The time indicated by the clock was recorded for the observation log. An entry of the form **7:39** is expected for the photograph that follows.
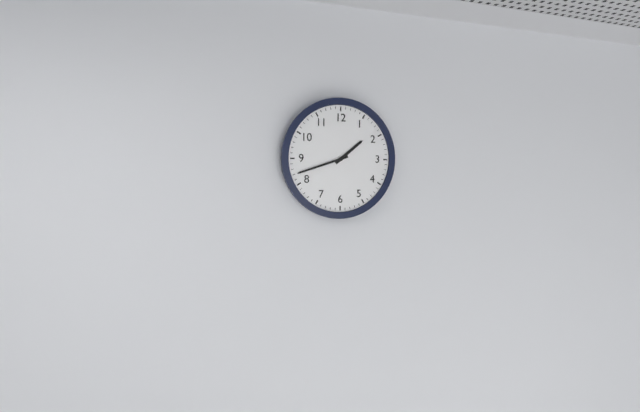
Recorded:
**1:42**
